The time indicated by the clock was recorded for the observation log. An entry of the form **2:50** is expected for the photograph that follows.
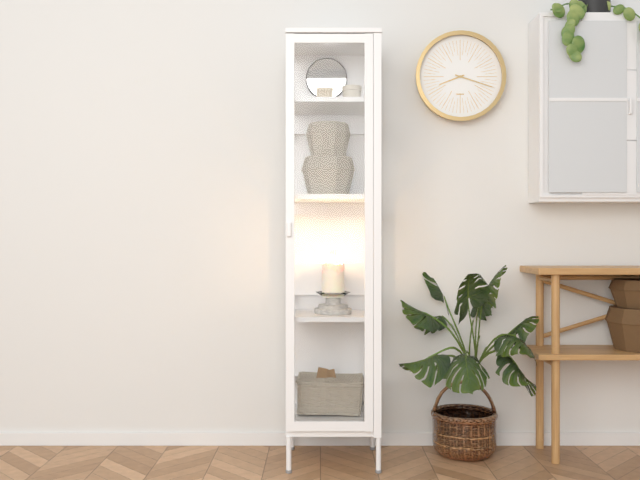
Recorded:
**8:18**
